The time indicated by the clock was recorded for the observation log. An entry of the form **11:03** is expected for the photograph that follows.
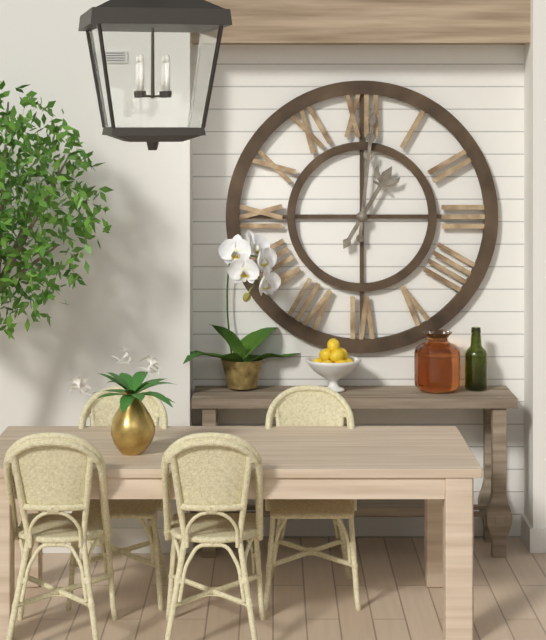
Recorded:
**1:01**
